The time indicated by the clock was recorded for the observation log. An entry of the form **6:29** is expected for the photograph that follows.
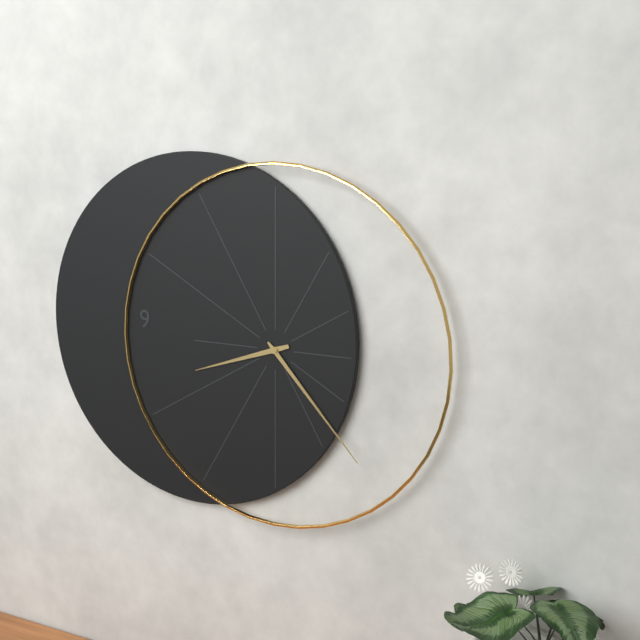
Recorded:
**8:23**
